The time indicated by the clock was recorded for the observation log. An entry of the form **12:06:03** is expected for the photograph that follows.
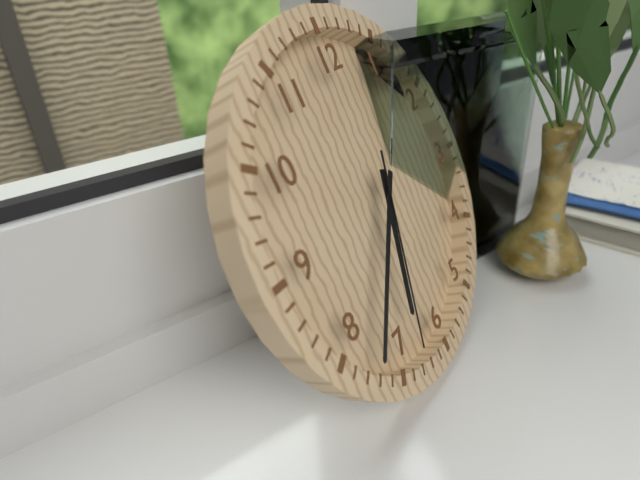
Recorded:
**6:37:33**
